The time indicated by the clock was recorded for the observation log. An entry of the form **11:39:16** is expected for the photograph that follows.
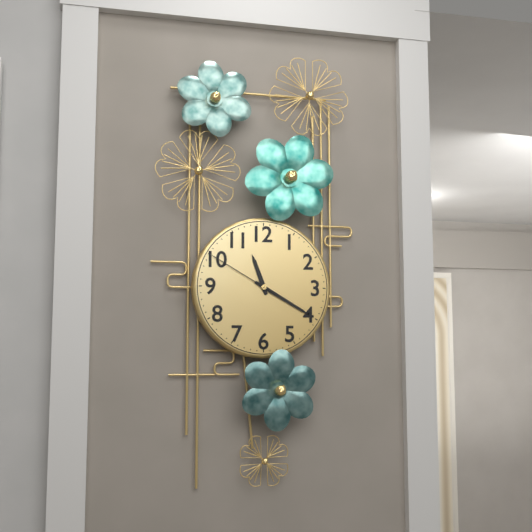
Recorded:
**11:20:50**
